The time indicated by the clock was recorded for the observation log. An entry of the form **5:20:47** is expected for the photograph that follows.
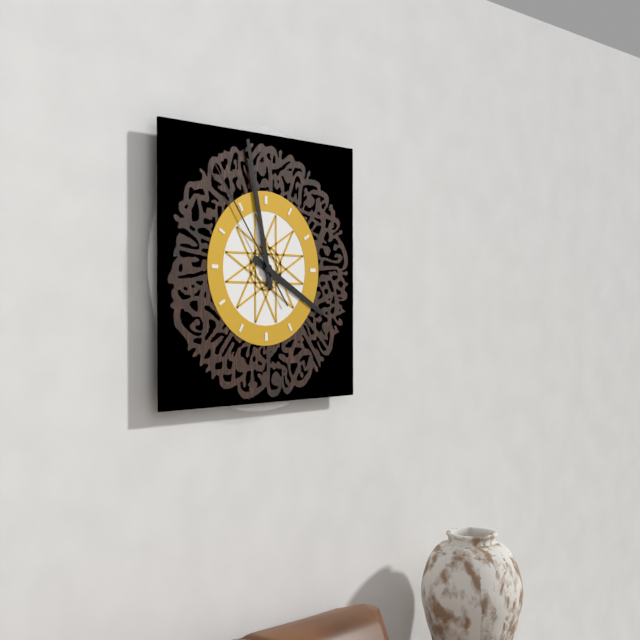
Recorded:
**3:58:54**
